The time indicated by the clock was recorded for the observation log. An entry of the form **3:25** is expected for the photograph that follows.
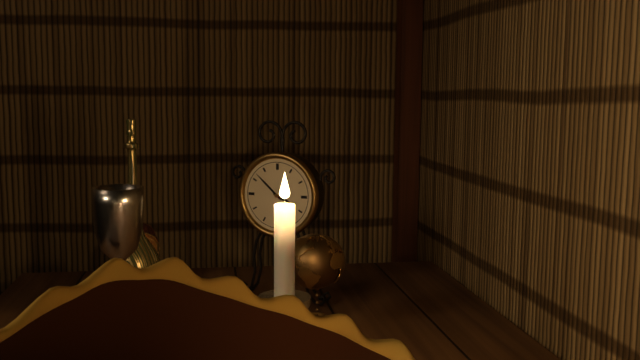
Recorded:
**3:52**
